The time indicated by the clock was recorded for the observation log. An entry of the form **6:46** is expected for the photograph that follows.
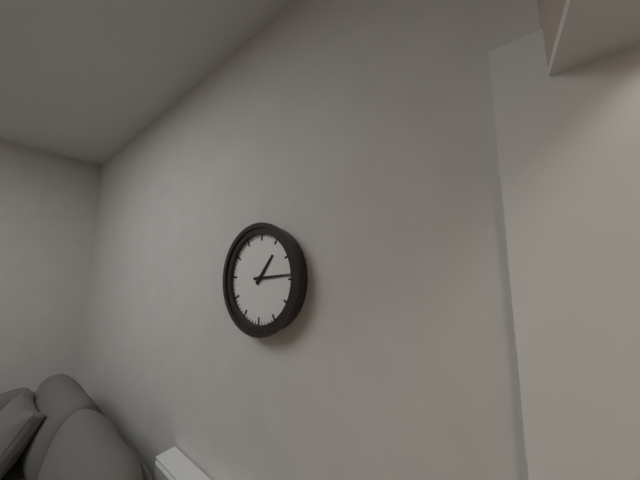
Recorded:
**1:14**
